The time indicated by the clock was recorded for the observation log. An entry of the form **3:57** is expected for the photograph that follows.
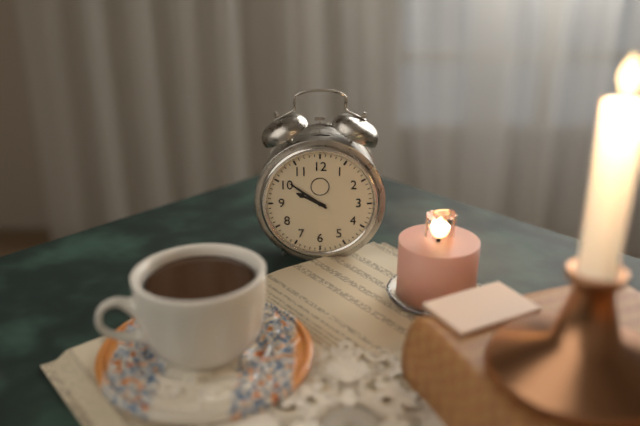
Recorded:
**9:51**
